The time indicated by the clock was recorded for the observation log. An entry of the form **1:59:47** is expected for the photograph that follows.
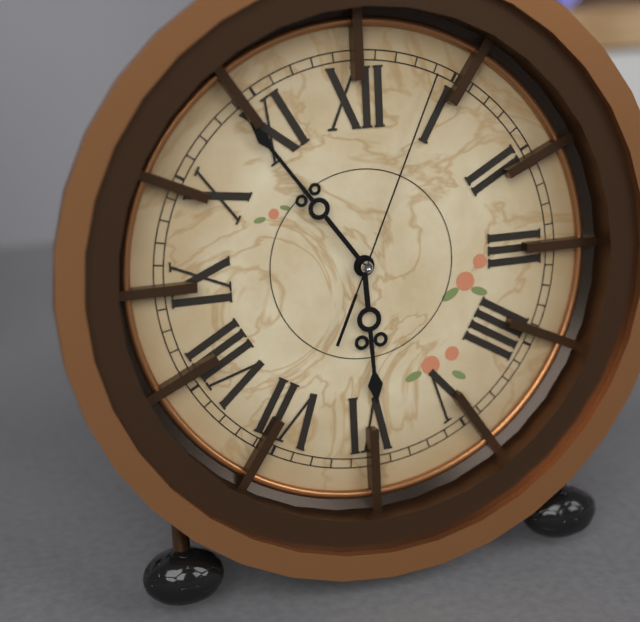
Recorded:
**5:54:04**
